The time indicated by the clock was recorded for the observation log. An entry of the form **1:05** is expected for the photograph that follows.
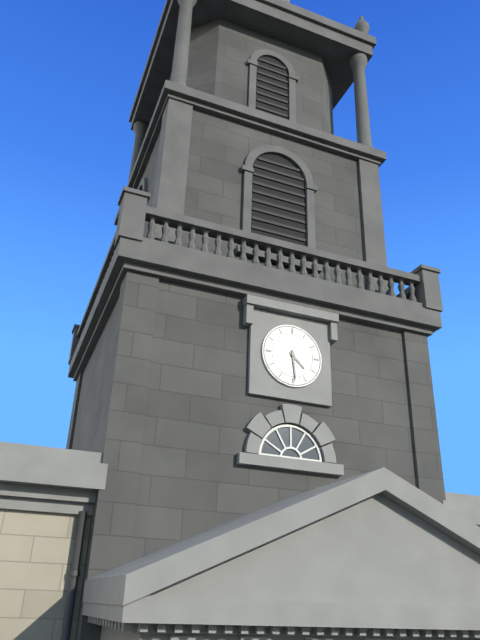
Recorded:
**4:29**
